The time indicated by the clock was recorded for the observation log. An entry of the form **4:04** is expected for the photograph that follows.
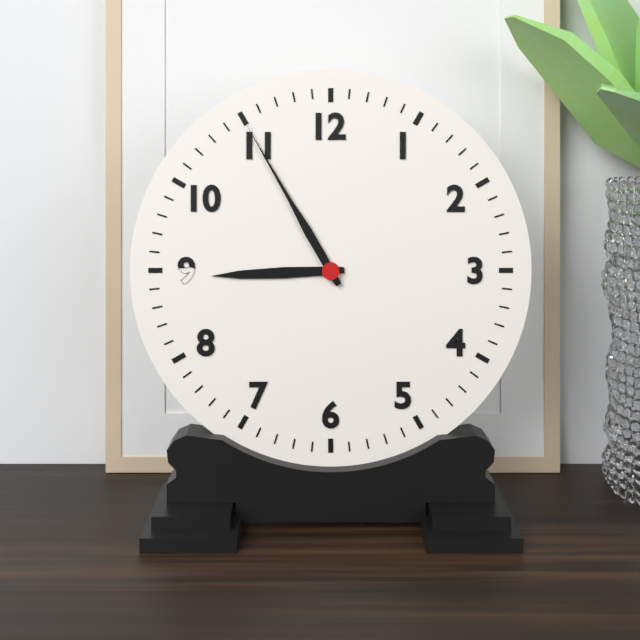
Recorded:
**8:55**
